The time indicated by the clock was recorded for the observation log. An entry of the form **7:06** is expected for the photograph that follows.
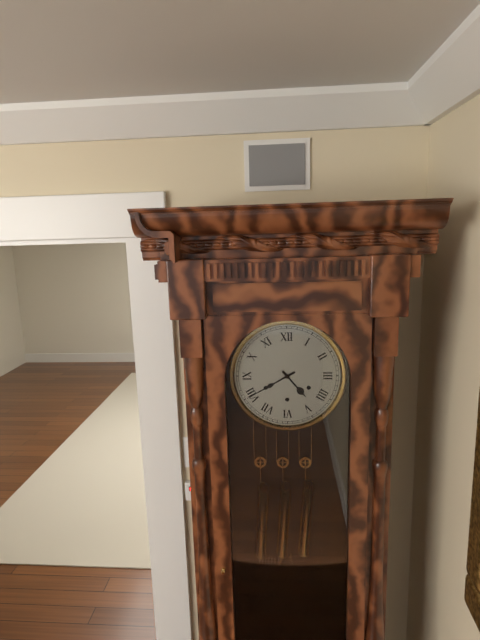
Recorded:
**4:40**
